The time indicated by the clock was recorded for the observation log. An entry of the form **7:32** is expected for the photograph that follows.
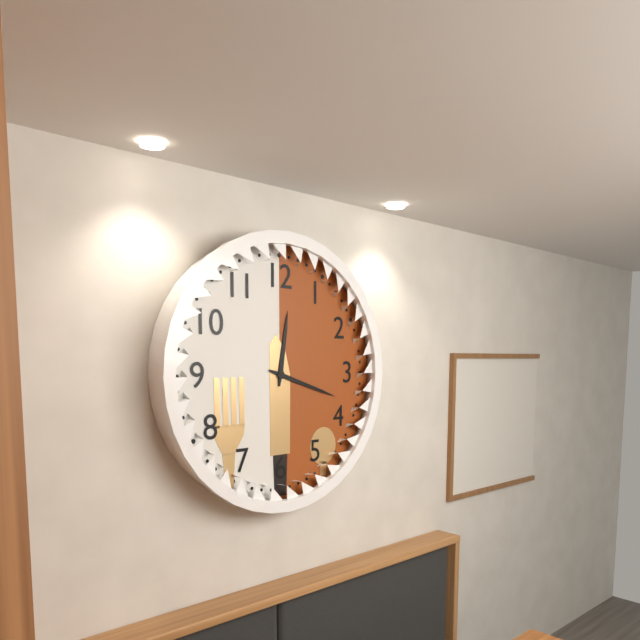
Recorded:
**12:18**
